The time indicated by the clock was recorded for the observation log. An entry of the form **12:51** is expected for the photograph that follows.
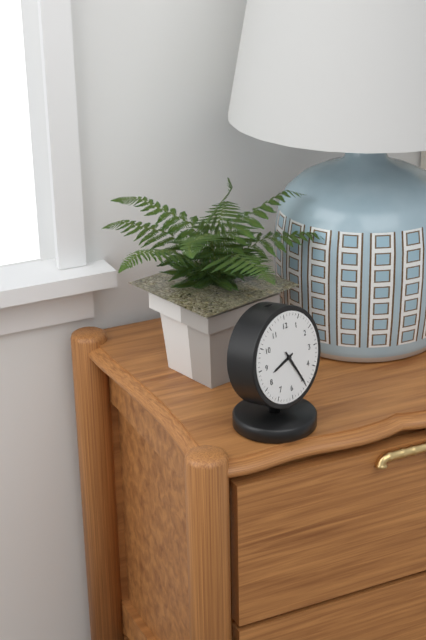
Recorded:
**8:25**
